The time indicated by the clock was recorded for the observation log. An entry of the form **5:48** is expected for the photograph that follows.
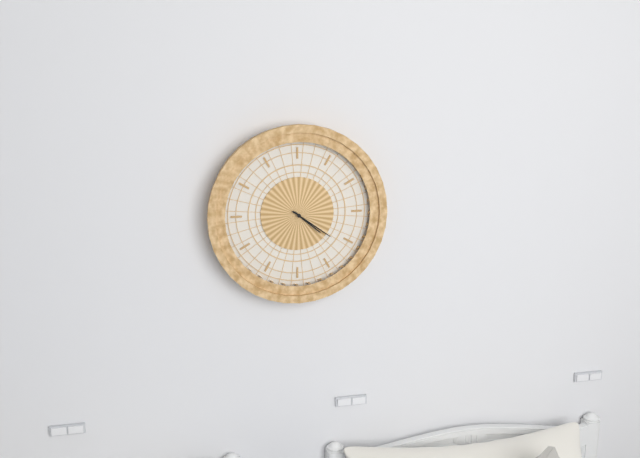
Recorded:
**4:21**
